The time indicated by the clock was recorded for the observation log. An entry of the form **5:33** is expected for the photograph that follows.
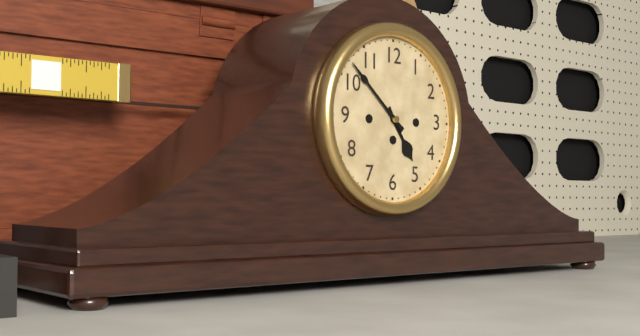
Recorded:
**4:52**
